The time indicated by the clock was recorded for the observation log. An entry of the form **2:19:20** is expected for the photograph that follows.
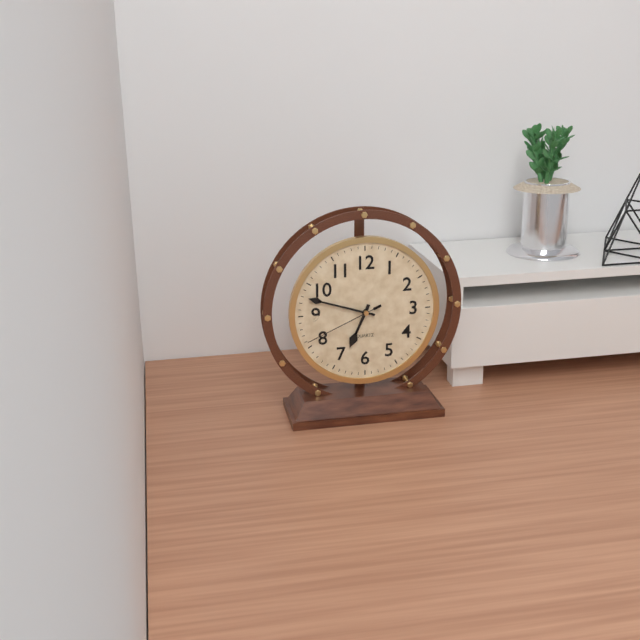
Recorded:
**6:48:41**
